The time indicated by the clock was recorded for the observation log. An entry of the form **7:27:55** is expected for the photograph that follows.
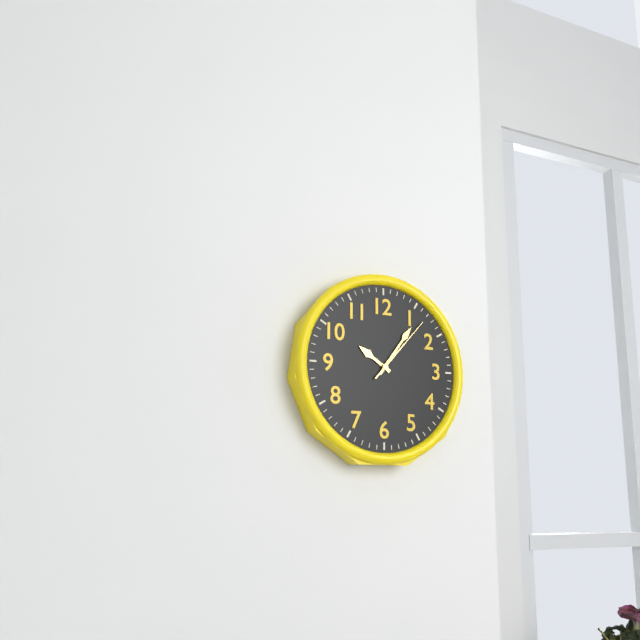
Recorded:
**10:06:07**
